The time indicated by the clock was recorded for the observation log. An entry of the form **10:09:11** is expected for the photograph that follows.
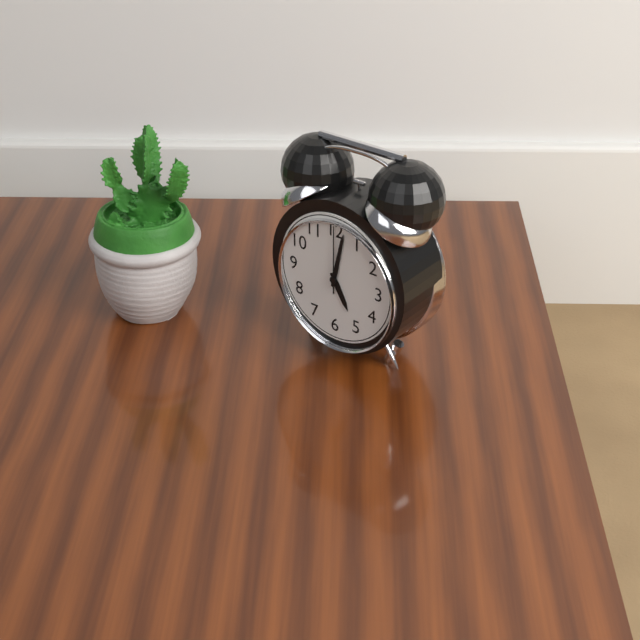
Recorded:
**5:02:00**
